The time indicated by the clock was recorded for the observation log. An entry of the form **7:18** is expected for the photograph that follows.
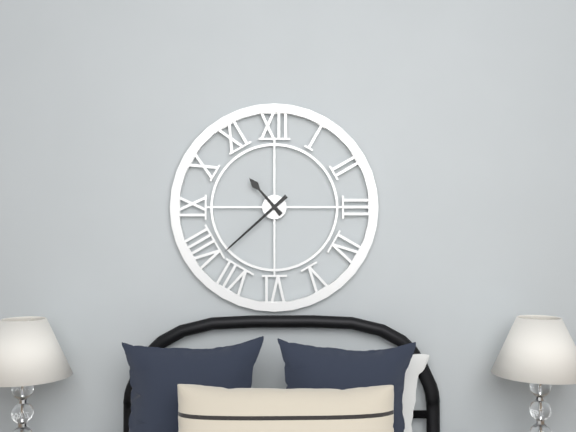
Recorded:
**10:38**
